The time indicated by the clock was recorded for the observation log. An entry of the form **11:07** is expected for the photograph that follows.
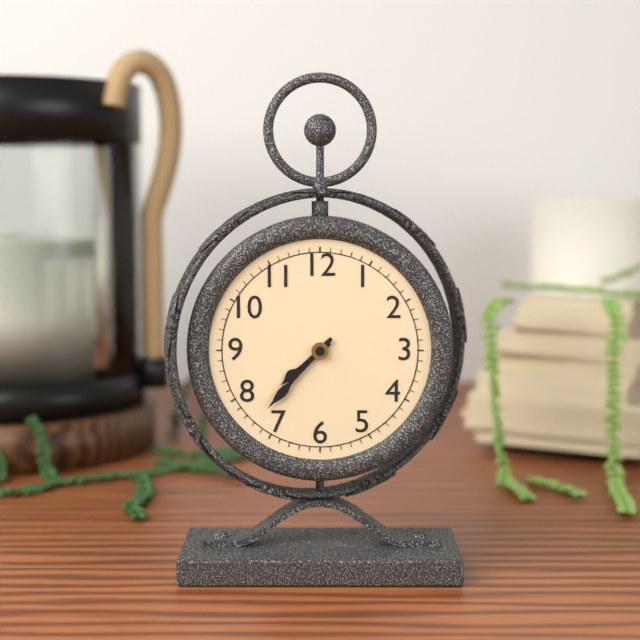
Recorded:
**7:37**
